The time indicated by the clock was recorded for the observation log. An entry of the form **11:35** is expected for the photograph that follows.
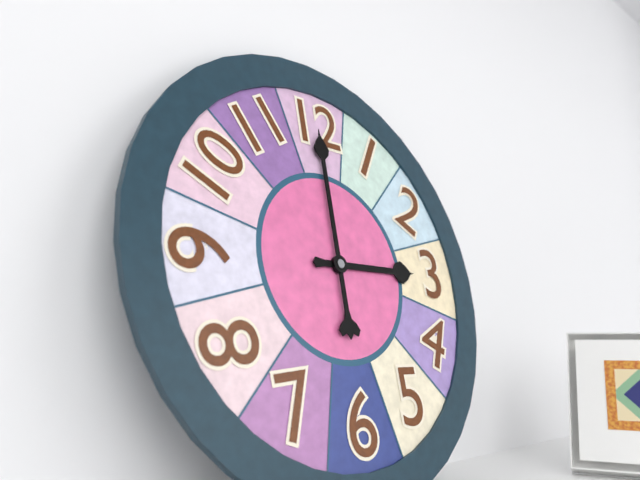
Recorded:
**3:00**
